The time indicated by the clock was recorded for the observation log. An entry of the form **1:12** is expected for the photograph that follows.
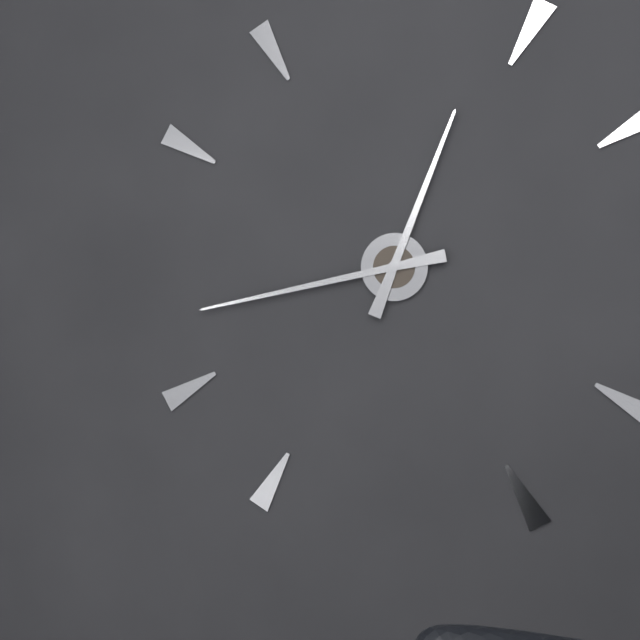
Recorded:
**12:43**
